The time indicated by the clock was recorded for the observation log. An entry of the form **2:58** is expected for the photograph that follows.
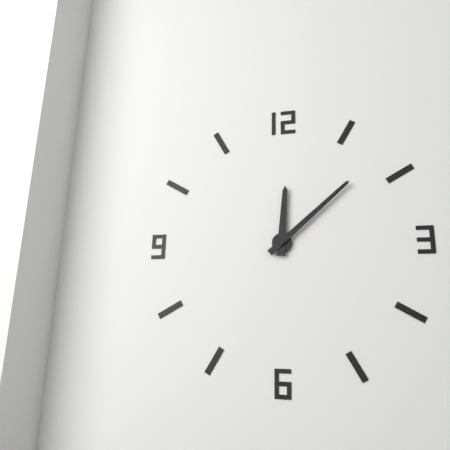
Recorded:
**12:08**
